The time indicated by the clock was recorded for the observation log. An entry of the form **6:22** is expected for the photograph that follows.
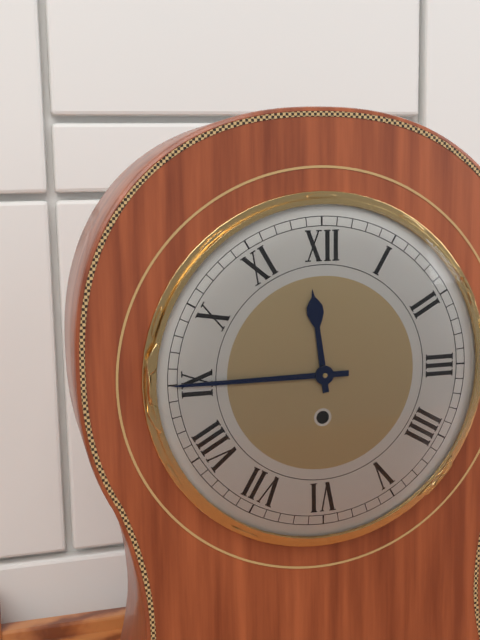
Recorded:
**11:45**
